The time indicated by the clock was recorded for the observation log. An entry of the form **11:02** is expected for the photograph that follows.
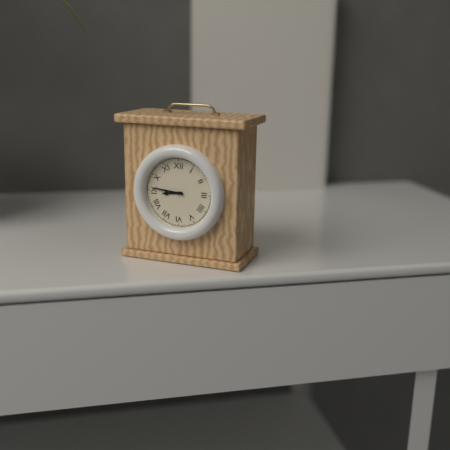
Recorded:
**8:46**
